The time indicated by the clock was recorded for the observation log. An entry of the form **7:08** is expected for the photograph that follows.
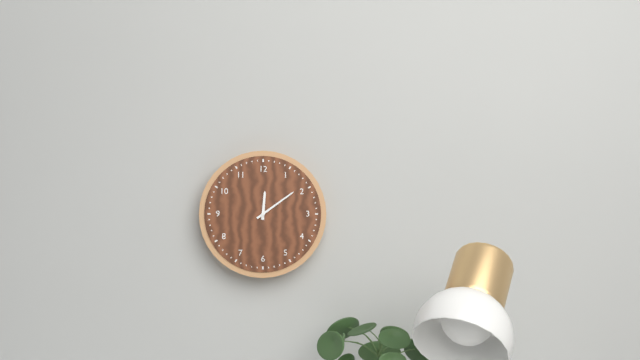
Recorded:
**12:09**
